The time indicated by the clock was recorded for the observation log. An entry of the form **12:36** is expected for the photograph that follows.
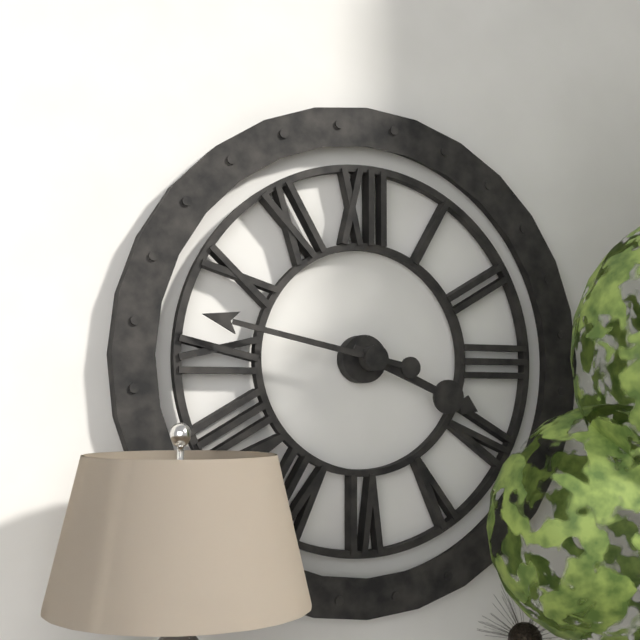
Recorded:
**3:47**
